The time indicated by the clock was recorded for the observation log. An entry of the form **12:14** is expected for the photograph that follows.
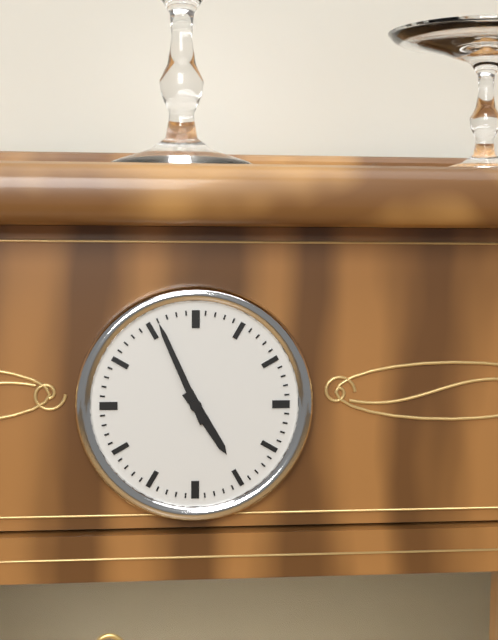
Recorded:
**4:56**
